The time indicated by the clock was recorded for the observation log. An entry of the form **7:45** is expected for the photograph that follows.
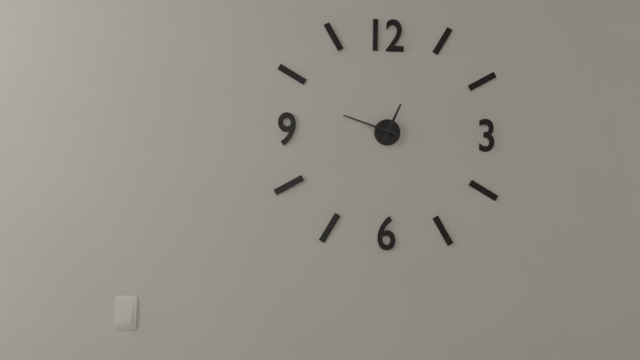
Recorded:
**12:48**
